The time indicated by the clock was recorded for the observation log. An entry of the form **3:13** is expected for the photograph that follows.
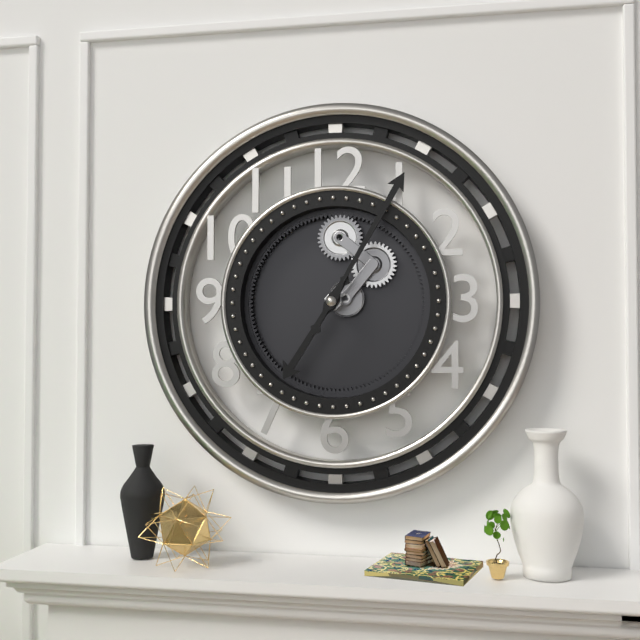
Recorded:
**7:05**
